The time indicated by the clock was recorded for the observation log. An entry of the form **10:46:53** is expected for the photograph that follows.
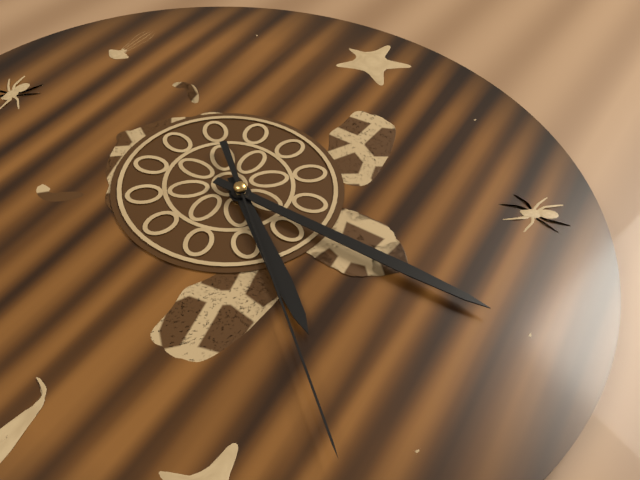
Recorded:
**4:15:22**
